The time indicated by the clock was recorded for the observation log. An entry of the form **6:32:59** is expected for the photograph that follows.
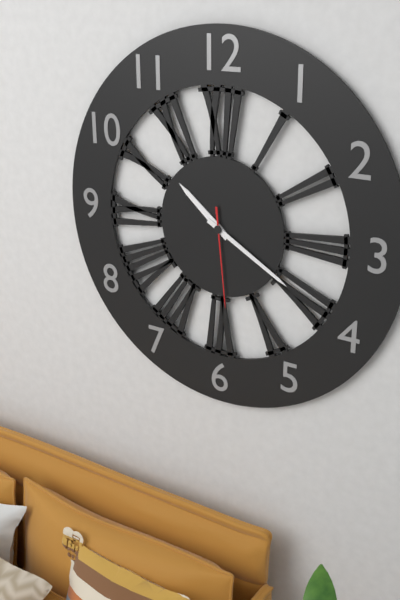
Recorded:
**10:20:29**
